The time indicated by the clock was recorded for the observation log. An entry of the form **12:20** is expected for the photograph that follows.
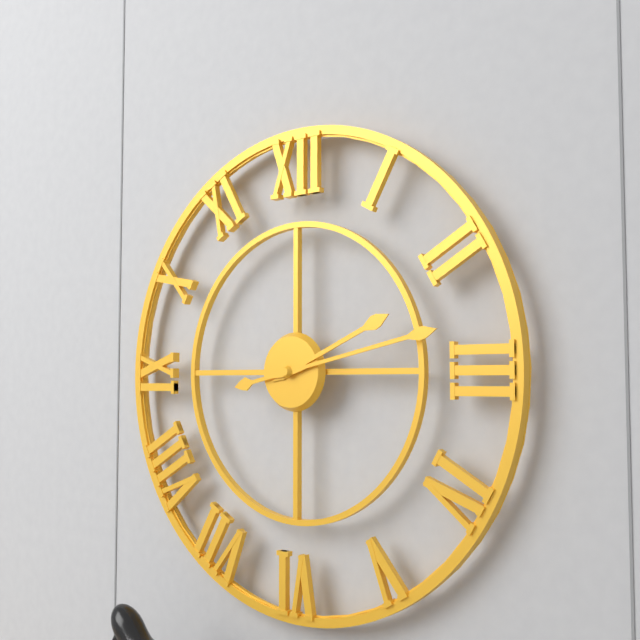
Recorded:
**2:13**
